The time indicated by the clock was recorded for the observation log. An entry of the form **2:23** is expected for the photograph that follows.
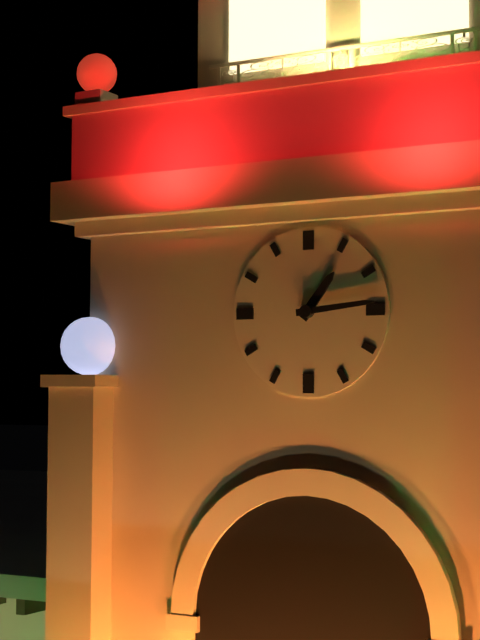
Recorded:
**1:14**
